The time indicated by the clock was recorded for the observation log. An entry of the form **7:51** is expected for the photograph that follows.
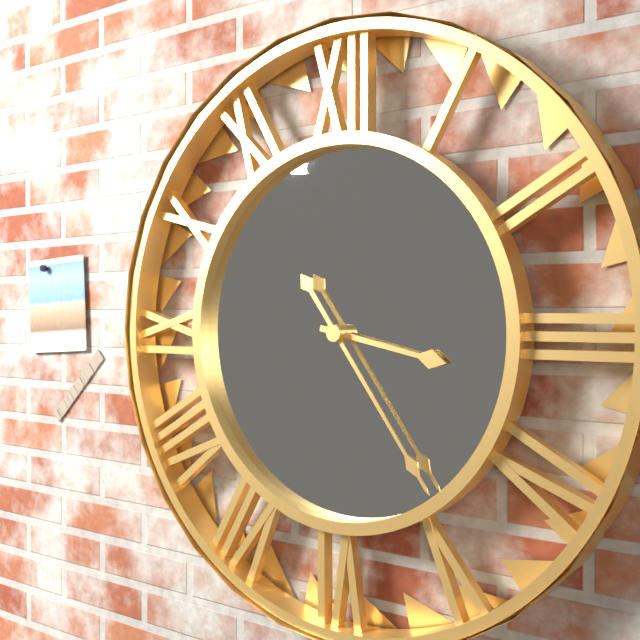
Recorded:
**3:24**
